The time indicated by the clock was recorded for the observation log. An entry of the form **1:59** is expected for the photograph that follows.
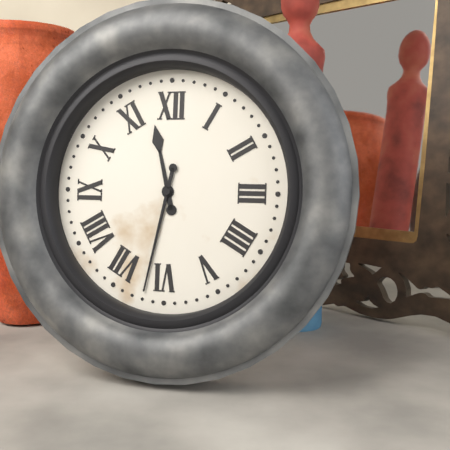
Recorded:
**11:32**
